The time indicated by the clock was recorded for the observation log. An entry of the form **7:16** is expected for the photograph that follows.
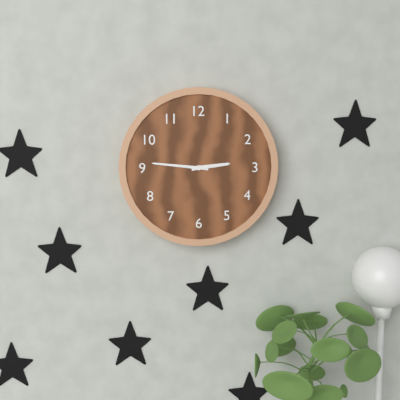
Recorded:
**2:46**
